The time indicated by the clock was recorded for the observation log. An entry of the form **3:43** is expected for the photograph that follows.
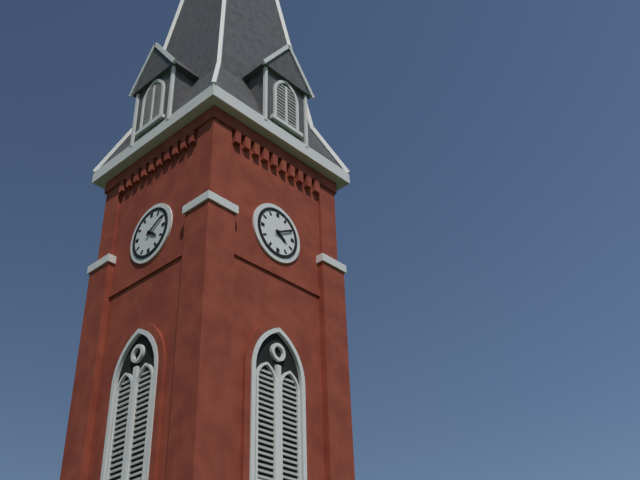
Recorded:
**4:10**
